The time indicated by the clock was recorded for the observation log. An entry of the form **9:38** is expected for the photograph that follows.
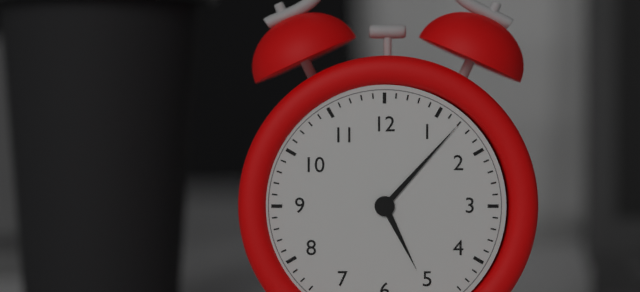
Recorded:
**5:07**
